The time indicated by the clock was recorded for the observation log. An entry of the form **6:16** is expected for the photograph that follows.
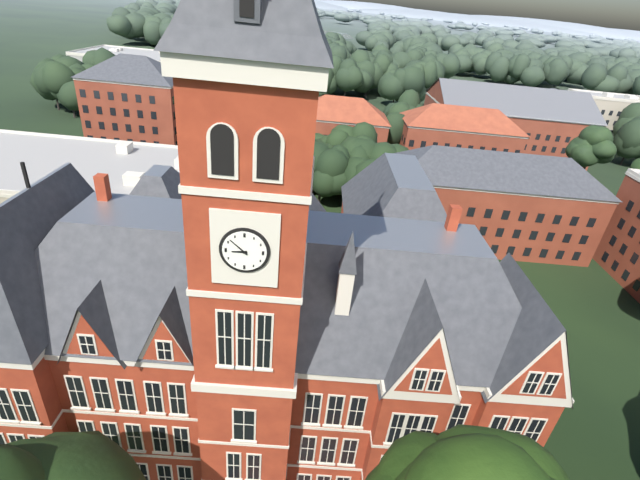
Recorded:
**8:52**
